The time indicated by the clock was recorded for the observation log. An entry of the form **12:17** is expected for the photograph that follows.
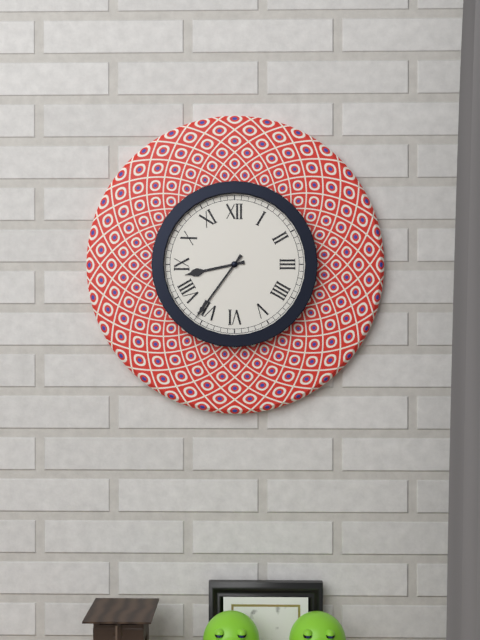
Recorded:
**8:36**
